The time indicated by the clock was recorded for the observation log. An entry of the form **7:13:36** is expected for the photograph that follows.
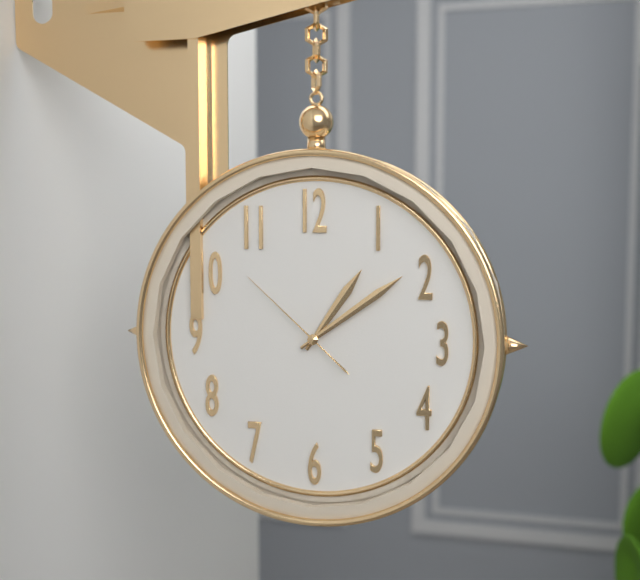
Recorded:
**1:09:52**
